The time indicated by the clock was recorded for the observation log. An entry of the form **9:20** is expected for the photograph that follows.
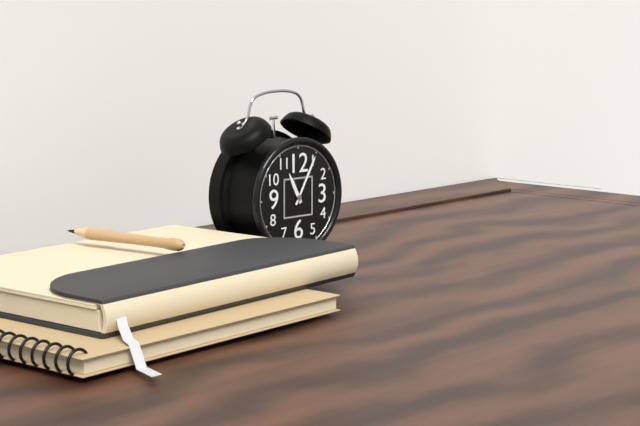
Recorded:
**11:05**
